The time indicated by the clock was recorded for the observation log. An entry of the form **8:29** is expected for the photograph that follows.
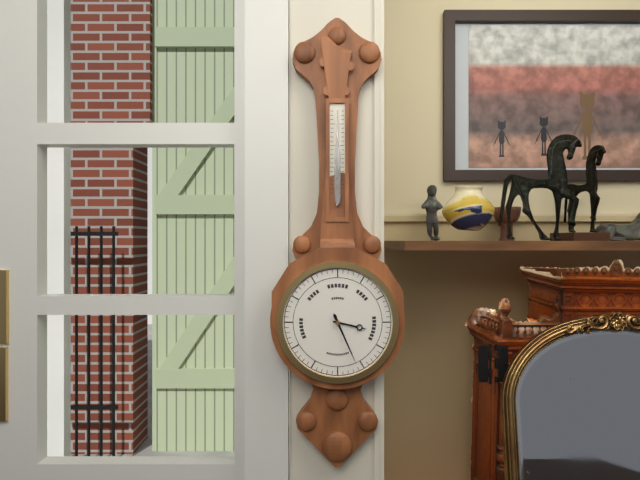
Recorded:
**3:26**
